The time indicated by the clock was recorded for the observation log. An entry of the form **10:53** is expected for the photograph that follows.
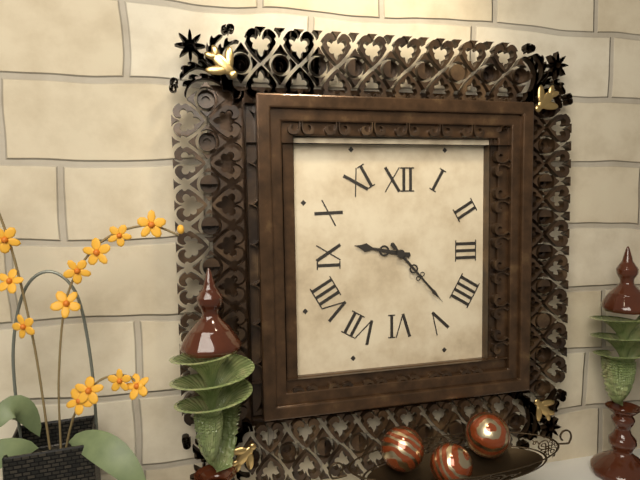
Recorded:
**9:23**
